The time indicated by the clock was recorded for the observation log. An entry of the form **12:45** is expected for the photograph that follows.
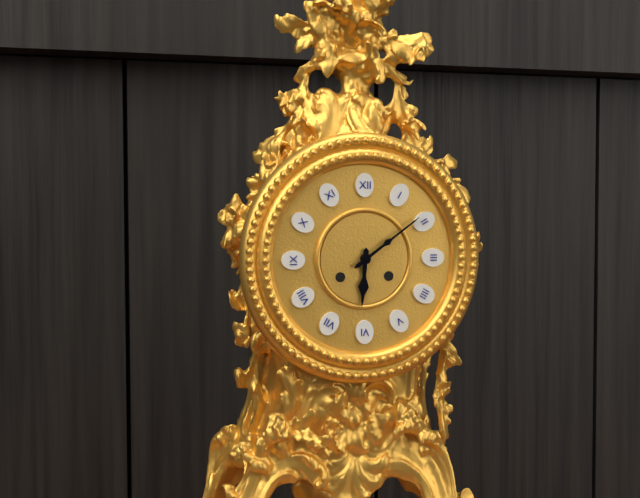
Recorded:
**6:09**
